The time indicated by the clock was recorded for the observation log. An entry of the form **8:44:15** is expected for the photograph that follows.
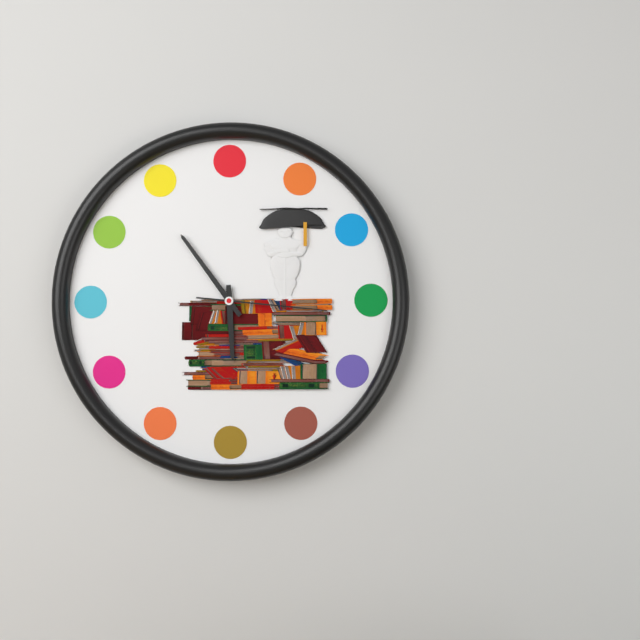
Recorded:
**5:54:16**
